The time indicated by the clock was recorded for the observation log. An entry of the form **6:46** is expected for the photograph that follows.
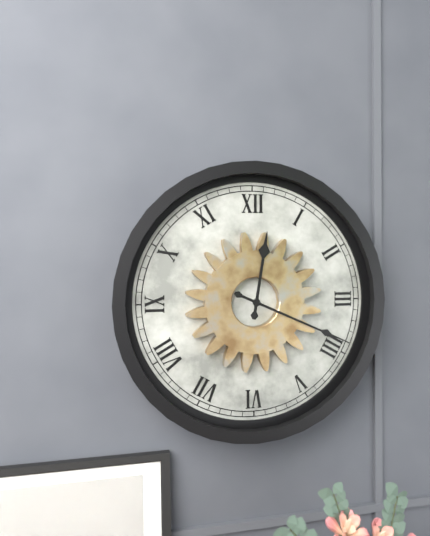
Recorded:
**12:19**
